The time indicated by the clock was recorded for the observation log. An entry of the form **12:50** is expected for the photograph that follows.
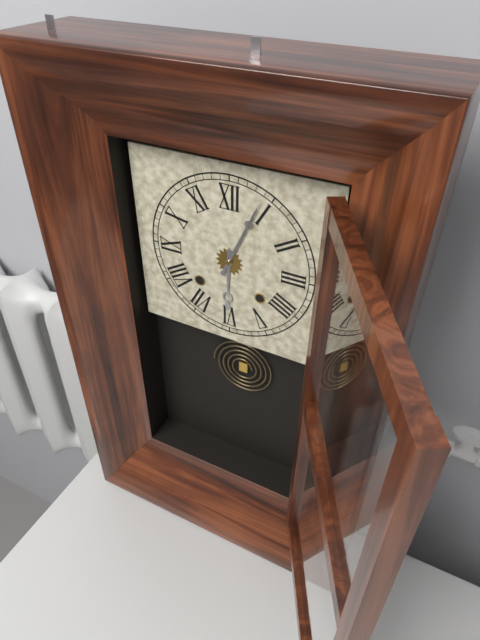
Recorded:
**6:04**
